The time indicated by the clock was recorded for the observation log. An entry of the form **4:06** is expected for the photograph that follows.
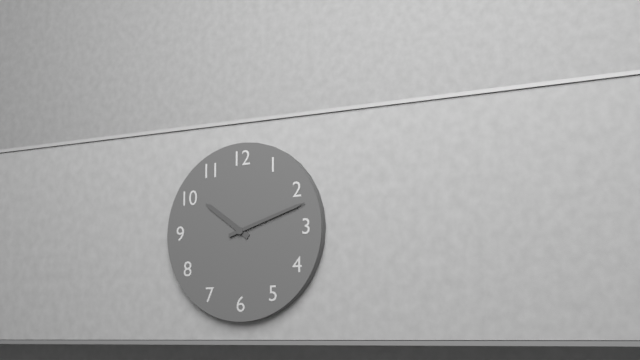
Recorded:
**10:12**
